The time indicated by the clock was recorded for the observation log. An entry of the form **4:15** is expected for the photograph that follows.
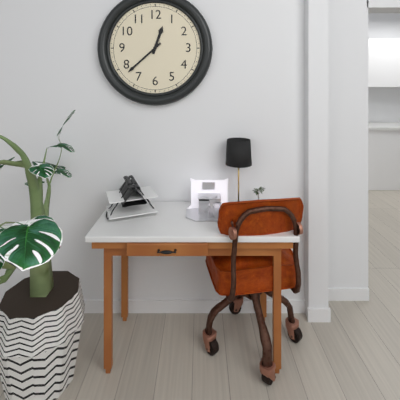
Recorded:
**12:38**
